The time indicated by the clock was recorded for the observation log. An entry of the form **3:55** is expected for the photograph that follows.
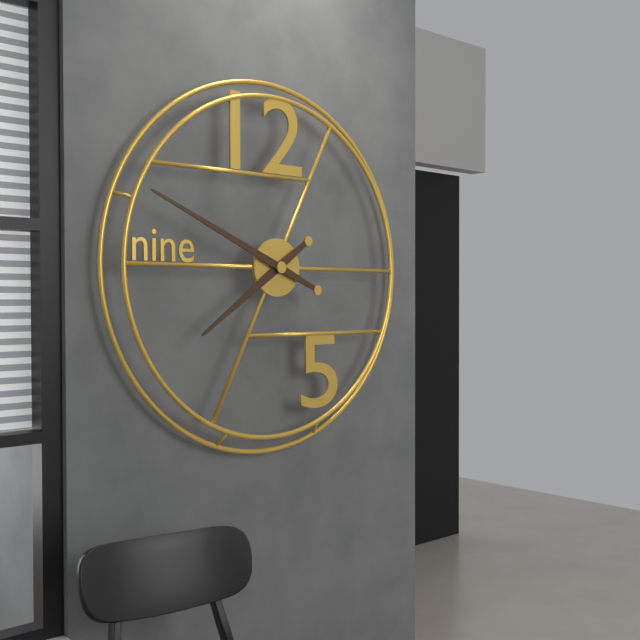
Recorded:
**7:49**
